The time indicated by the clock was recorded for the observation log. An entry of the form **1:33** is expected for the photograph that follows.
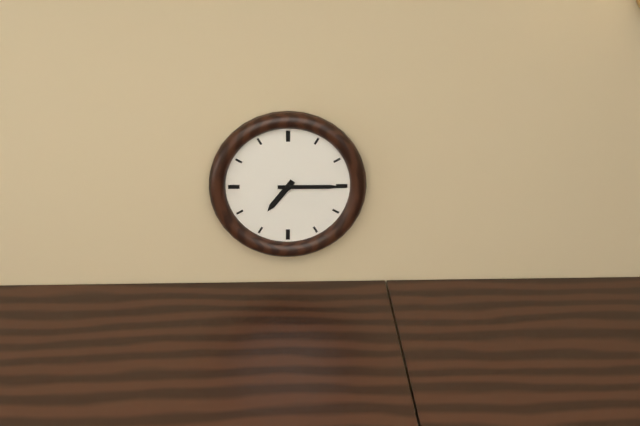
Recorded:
**7:15**
